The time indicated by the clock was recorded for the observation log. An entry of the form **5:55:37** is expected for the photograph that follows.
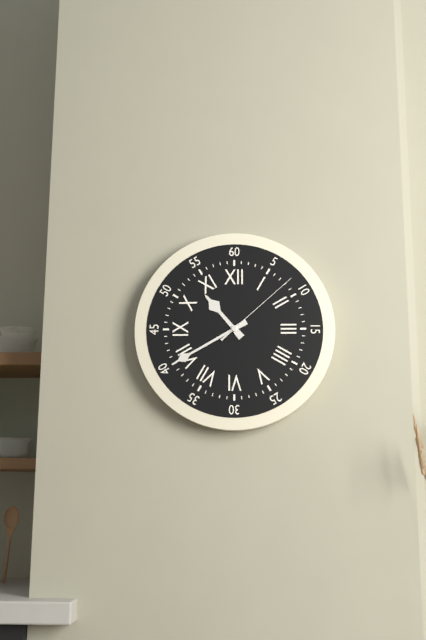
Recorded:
**10:40:08**
